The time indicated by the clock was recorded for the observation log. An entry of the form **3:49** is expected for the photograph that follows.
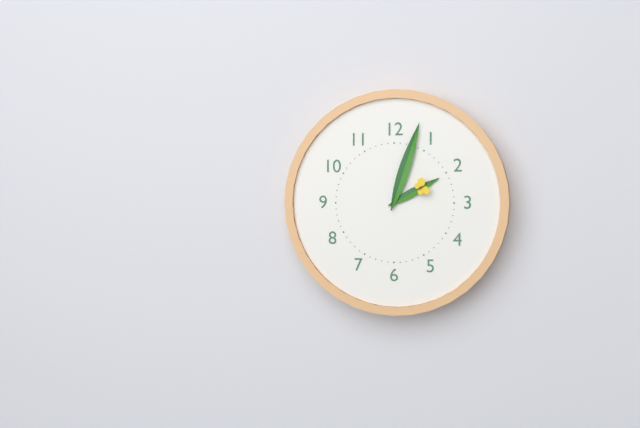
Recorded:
**2:03**
